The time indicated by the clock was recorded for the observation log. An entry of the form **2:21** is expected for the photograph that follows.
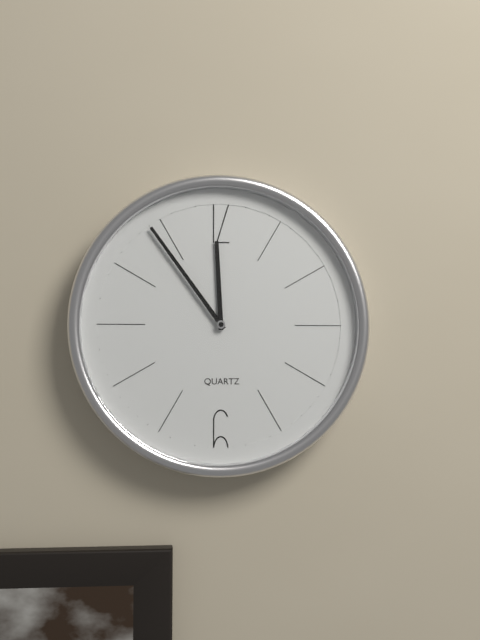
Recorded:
**11:54**
